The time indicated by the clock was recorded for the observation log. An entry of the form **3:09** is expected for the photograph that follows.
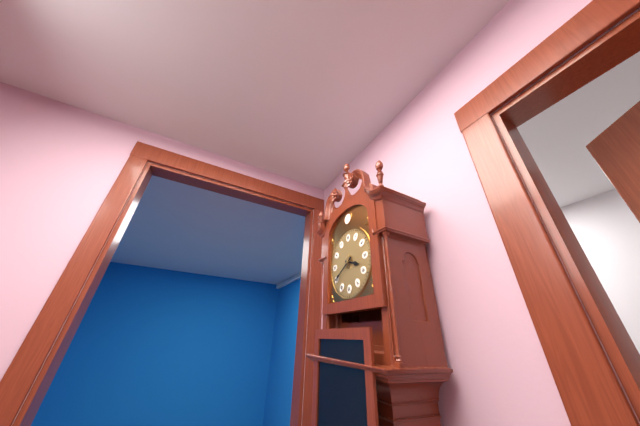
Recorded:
**3:40**
